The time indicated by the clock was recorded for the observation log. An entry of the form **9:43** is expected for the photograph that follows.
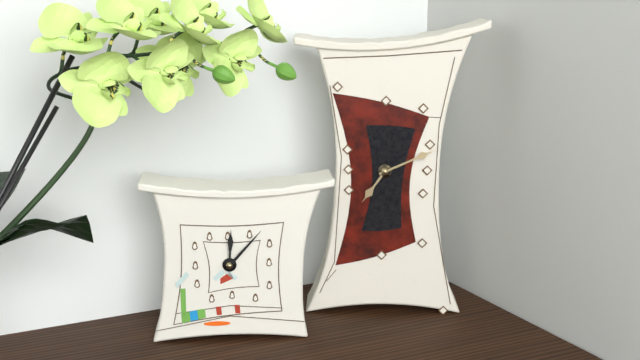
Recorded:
**7:11**
